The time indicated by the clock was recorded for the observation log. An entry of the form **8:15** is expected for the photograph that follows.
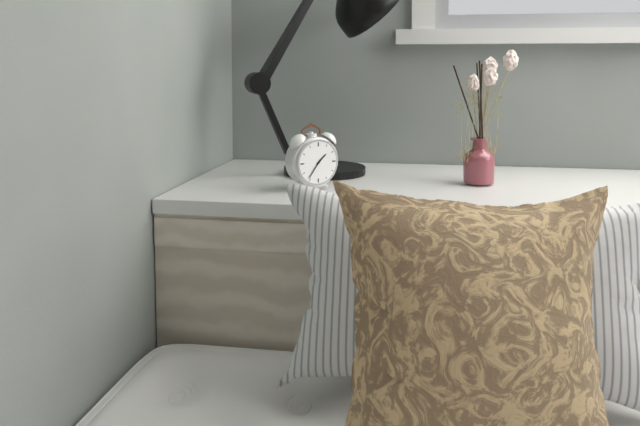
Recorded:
**1:36**
